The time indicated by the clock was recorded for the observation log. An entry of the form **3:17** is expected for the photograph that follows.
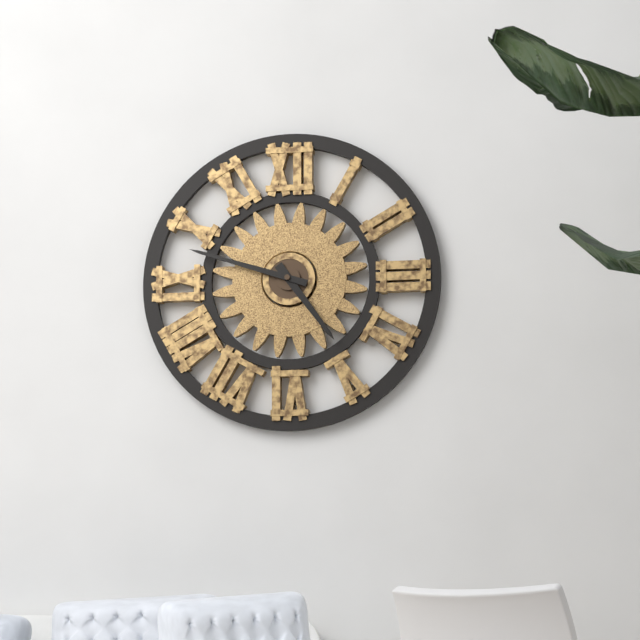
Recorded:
**4:48**
